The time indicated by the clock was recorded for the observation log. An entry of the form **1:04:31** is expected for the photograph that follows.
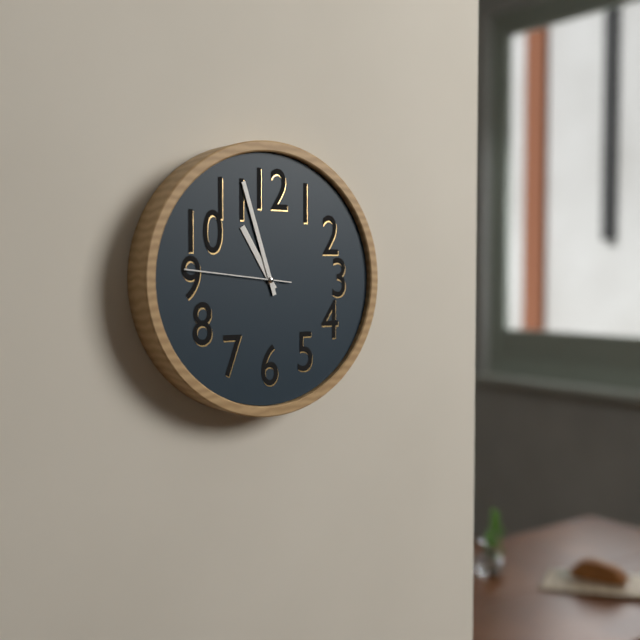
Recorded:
**10:57:46**
